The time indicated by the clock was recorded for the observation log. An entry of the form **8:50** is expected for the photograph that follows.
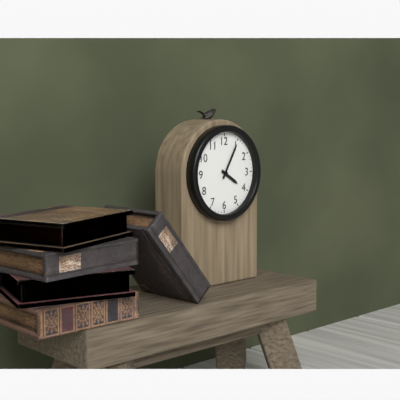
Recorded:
**4:05**
